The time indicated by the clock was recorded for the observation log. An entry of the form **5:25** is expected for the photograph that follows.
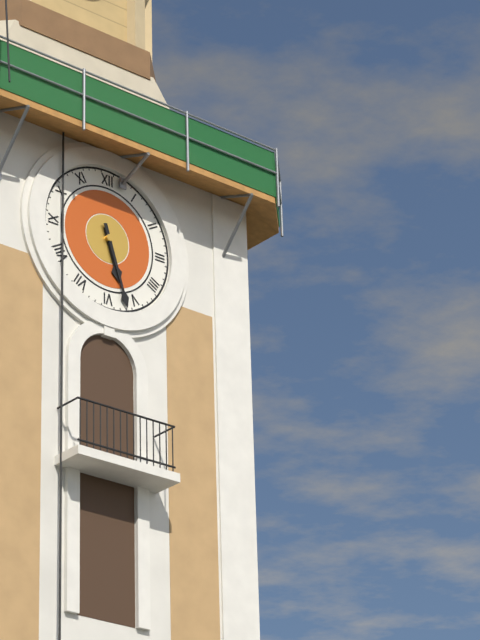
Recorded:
**5:27**
